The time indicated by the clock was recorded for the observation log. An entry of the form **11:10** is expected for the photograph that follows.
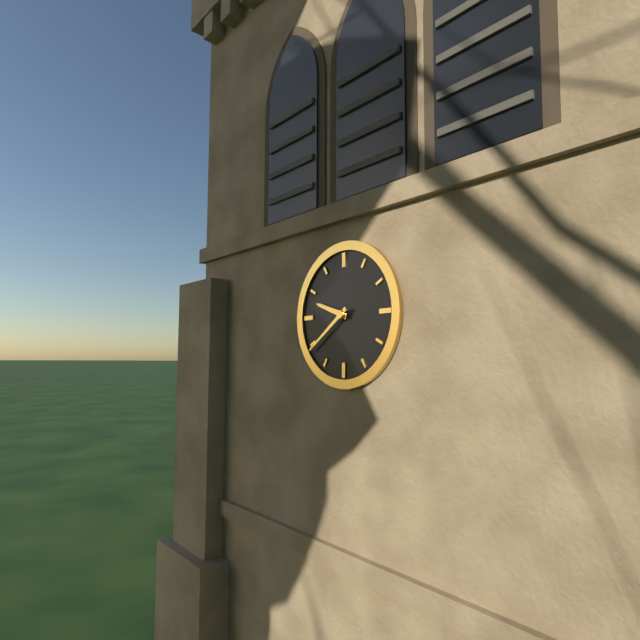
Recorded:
**9:39**
